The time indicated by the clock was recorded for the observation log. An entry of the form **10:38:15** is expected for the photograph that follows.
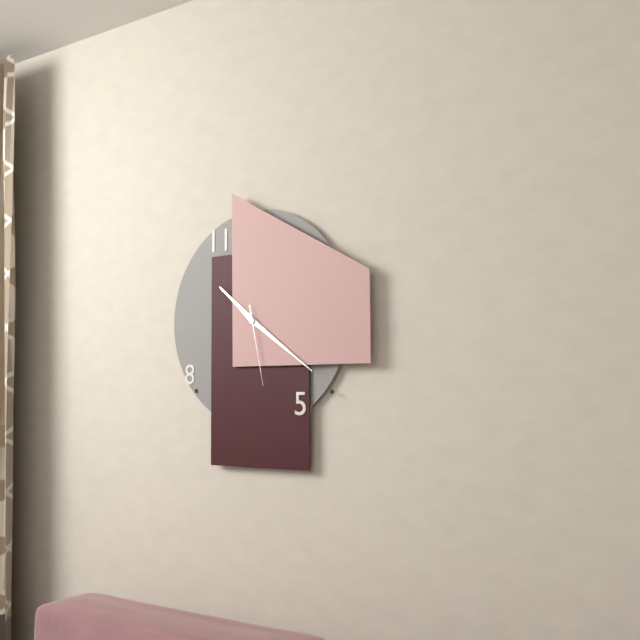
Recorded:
**10:21:28**
